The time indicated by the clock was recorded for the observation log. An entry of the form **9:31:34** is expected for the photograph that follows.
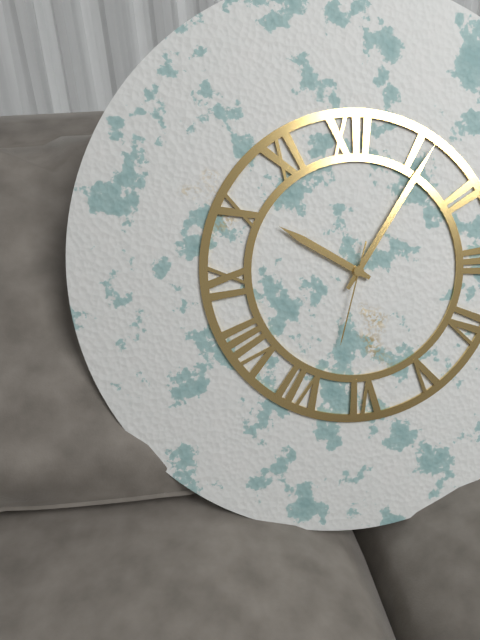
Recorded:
**10:06:33**
